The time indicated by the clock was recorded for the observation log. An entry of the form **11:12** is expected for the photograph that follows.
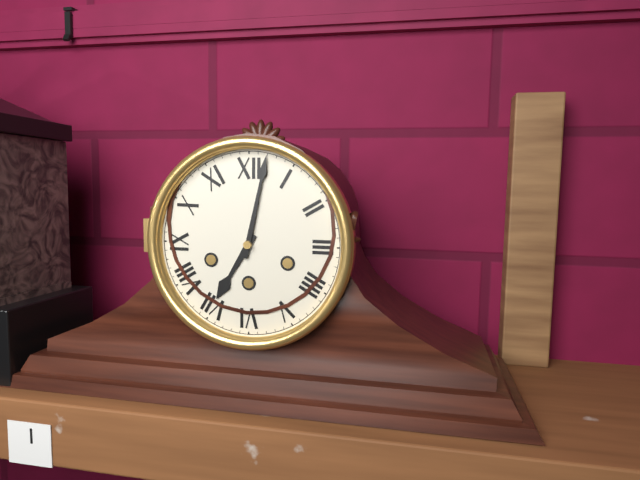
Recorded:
**7:02**
